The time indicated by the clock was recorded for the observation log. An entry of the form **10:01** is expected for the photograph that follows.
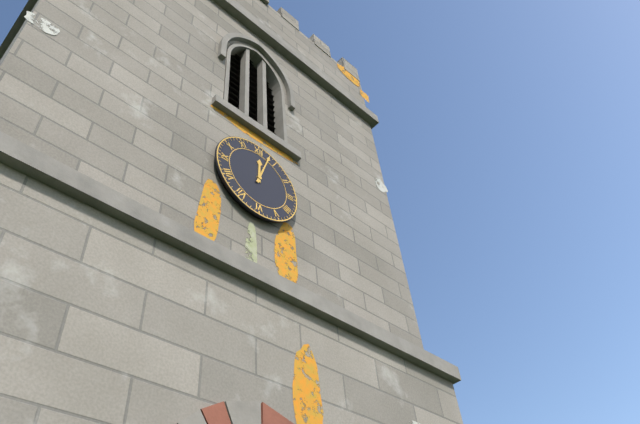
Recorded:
**12:03**
